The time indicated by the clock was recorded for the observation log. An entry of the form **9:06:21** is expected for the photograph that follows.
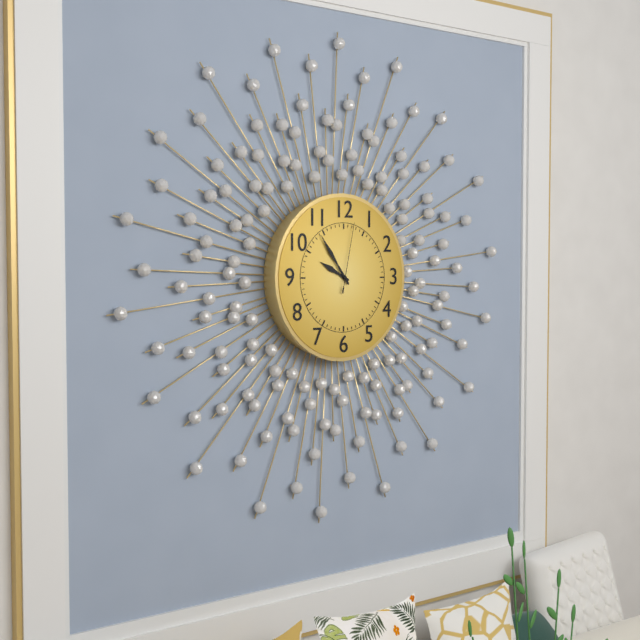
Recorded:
**9:54:02**
